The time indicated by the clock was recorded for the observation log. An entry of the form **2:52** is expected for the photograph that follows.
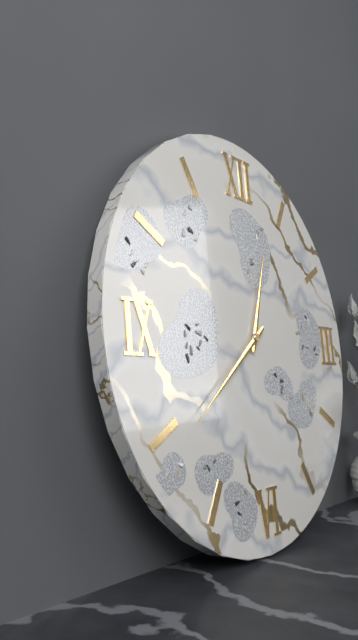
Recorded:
**12:39**
